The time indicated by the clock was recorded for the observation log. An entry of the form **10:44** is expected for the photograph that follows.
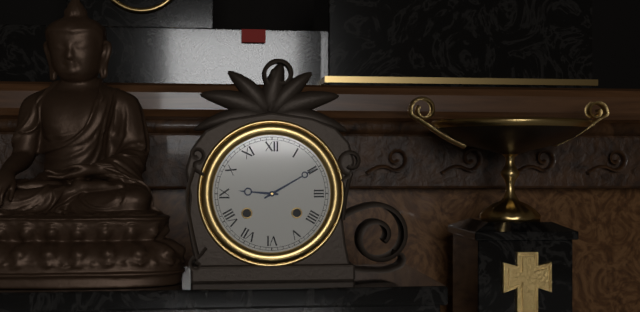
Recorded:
**9:10**
